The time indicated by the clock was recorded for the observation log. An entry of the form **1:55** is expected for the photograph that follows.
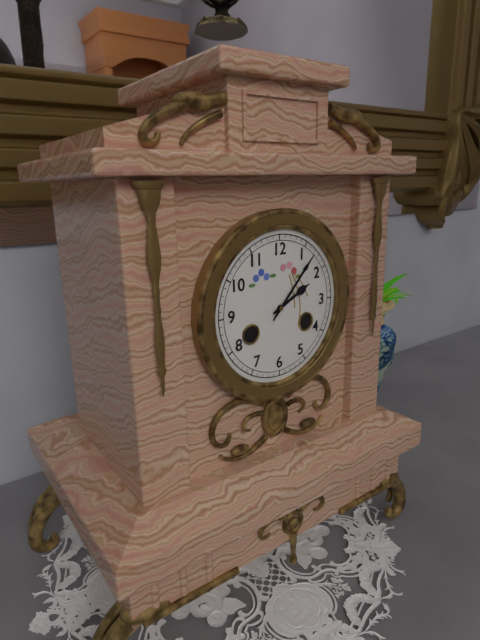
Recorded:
**2:07**
